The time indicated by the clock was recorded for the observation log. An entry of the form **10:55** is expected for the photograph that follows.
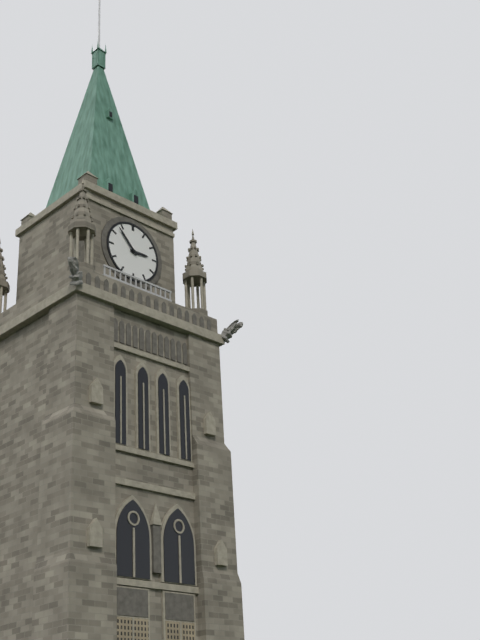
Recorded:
**2:53**
